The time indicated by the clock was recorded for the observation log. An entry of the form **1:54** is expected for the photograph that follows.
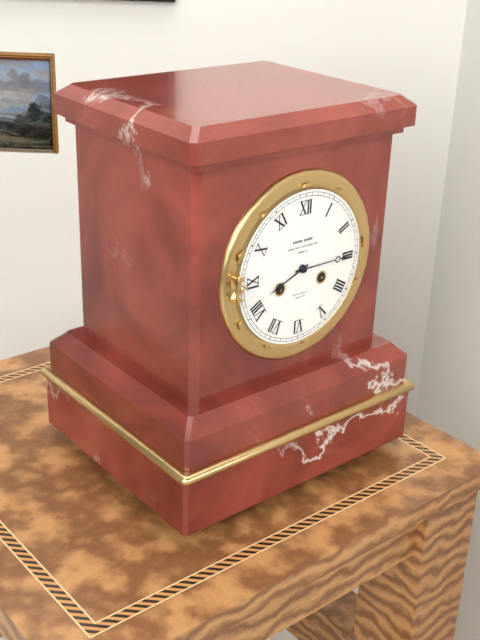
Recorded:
**8:15**
